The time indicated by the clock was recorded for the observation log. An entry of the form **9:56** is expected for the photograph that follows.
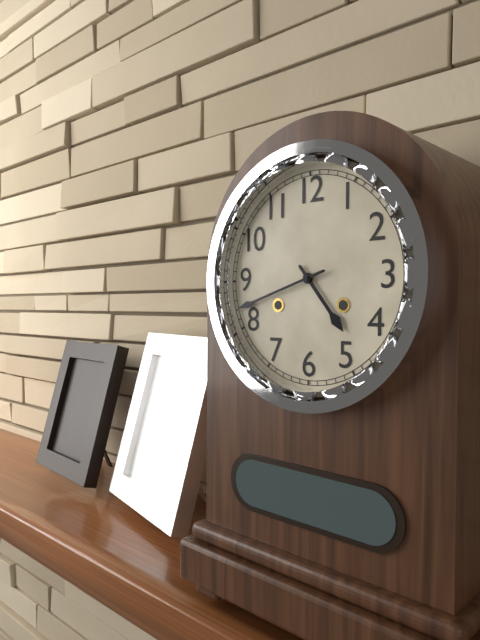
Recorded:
**4:42**
